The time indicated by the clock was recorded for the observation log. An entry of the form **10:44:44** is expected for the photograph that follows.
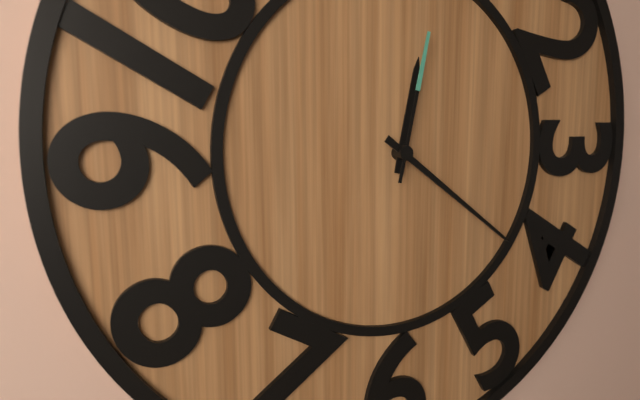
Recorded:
**12:21:02**
